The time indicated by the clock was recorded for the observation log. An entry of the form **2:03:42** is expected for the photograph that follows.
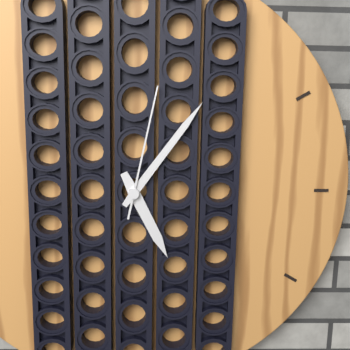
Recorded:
**5:06:02**
